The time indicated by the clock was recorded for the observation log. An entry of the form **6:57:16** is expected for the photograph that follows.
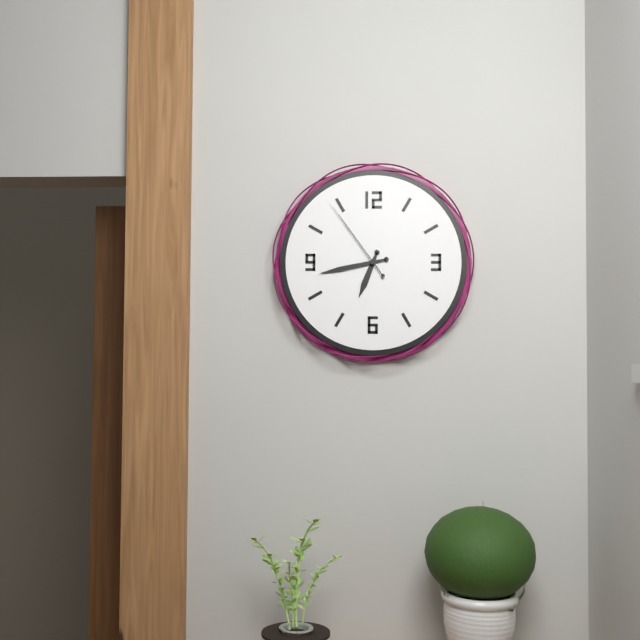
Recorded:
**6:43:54**
